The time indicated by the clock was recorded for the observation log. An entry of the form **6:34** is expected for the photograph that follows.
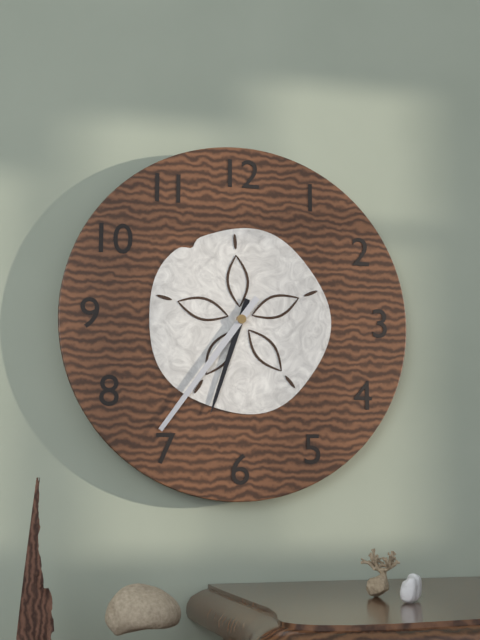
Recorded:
**6:36**
